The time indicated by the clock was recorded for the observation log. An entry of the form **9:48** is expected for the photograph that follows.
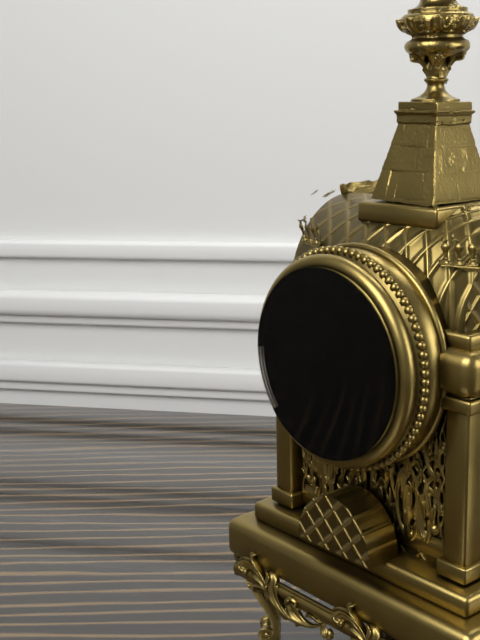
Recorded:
**1:31**
